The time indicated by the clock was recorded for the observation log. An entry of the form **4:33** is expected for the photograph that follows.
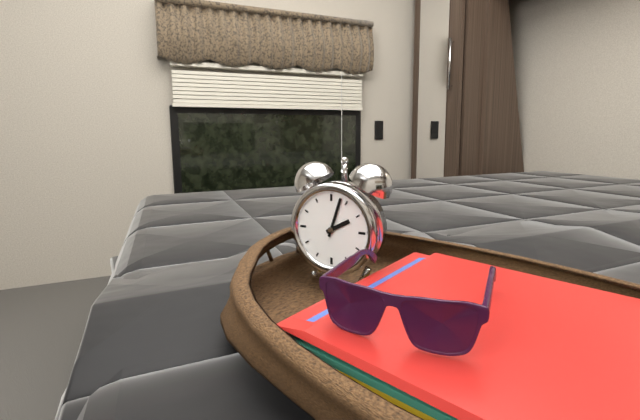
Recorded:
**2:03**
